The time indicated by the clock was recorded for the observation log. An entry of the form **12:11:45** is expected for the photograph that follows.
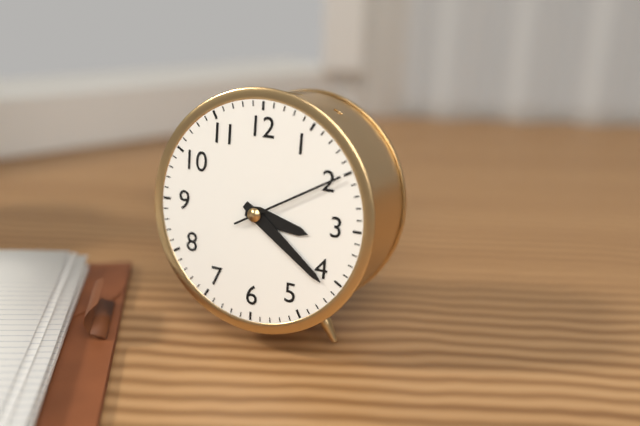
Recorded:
**3:21:10**
